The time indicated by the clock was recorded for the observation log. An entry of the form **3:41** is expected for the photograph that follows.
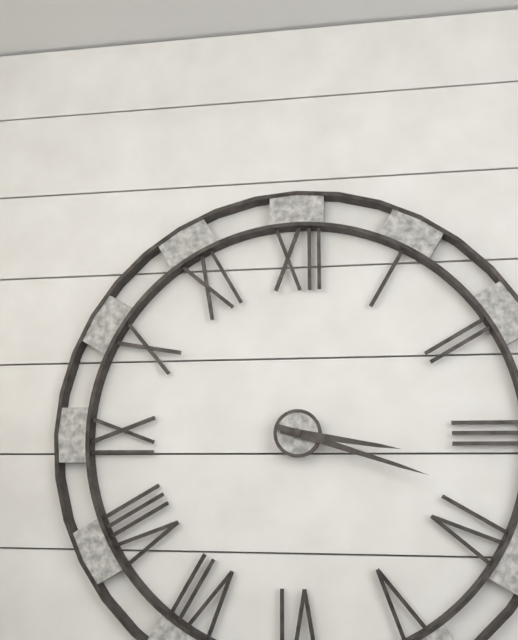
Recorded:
**3:18**
